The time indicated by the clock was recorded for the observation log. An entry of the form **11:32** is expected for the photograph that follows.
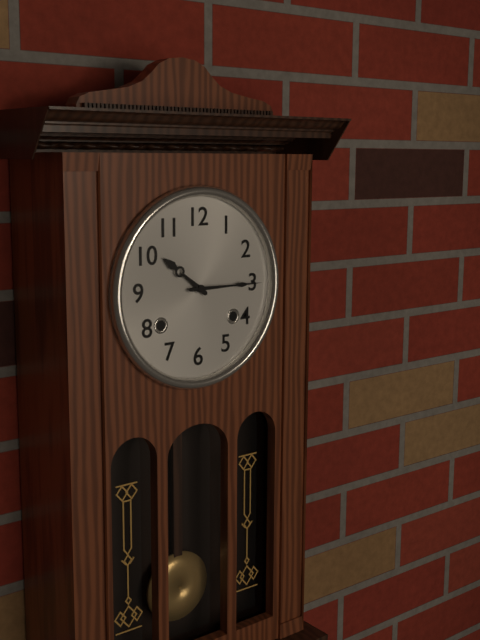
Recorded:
**10:15**
